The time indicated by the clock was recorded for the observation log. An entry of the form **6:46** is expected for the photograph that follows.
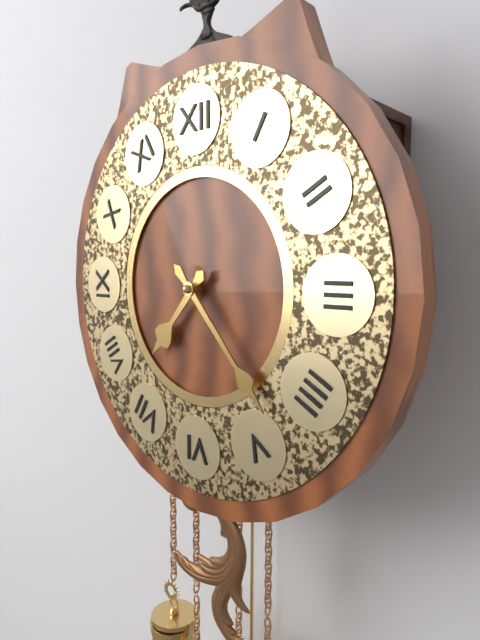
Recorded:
**7:23**
